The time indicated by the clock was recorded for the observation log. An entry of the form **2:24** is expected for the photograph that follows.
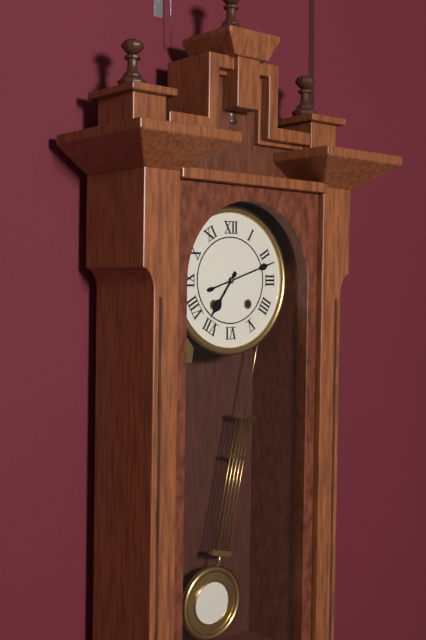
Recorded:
**7:12**
